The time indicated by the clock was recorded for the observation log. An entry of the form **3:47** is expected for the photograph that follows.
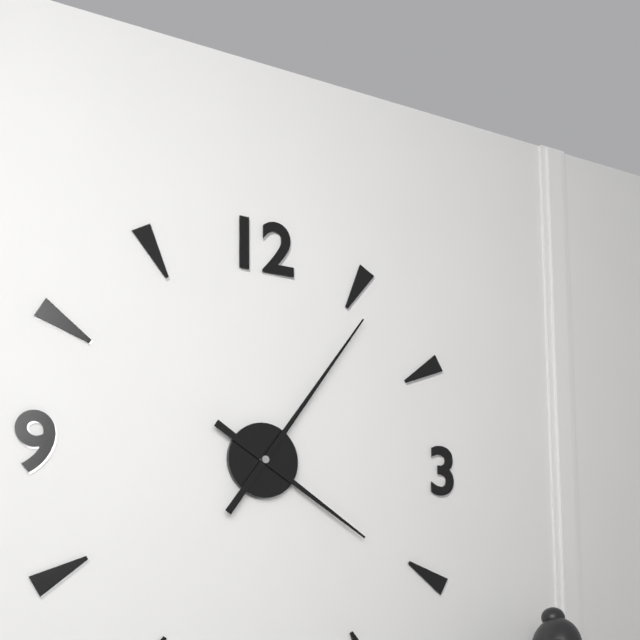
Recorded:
**4:06**
